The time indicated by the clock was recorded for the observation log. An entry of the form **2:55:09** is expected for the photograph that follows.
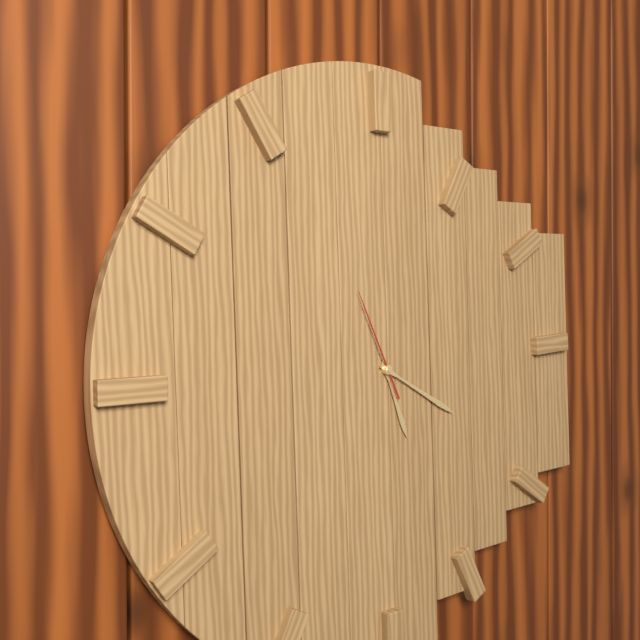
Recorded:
**5:20:56**
